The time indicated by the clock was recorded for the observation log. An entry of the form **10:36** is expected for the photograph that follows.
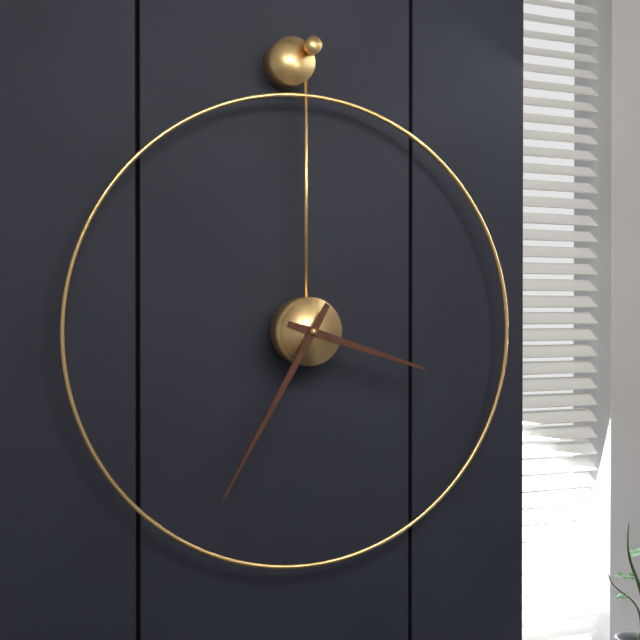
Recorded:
**3:35**
